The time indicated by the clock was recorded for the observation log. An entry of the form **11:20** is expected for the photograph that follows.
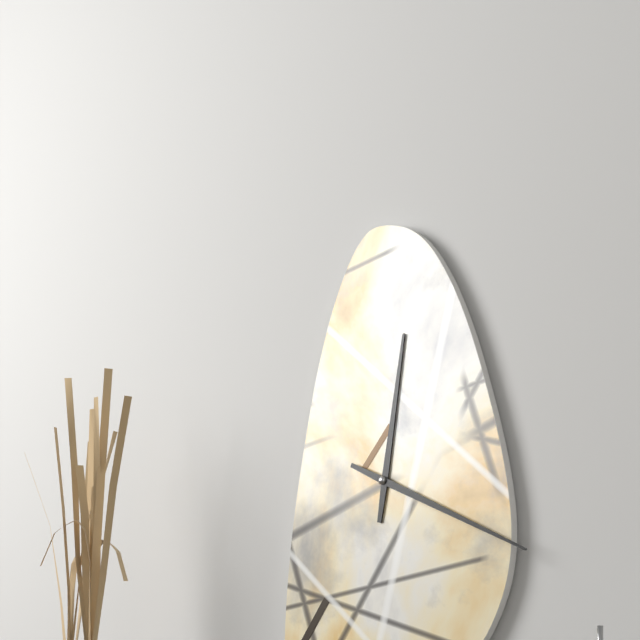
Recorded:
**12:19**
